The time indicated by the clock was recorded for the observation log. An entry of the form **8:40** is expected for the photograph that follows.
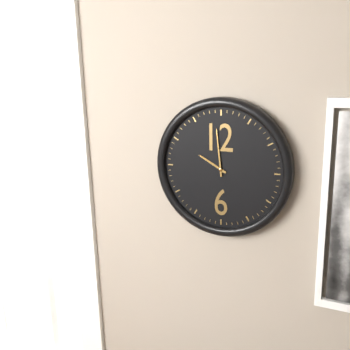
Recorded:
**9:59**
